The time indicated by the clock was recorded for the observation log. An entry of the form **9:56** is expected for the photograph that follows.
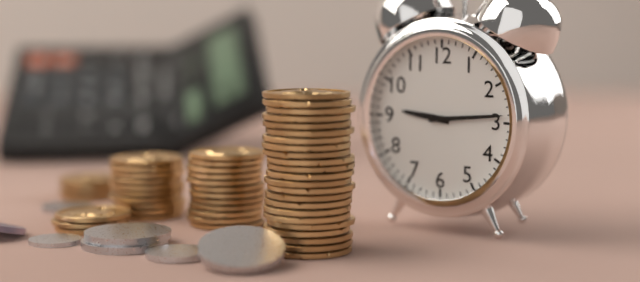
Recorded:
**9:14**
